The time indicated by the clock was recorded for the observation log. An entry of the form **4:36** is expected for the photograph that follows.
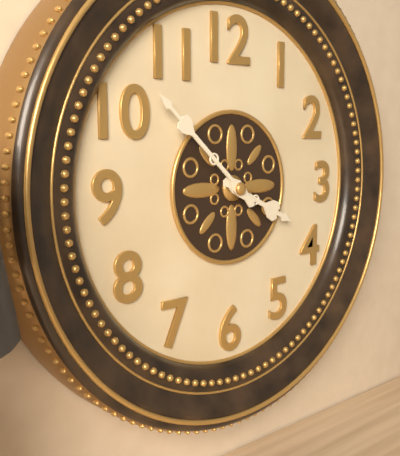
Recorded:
**3:52**
